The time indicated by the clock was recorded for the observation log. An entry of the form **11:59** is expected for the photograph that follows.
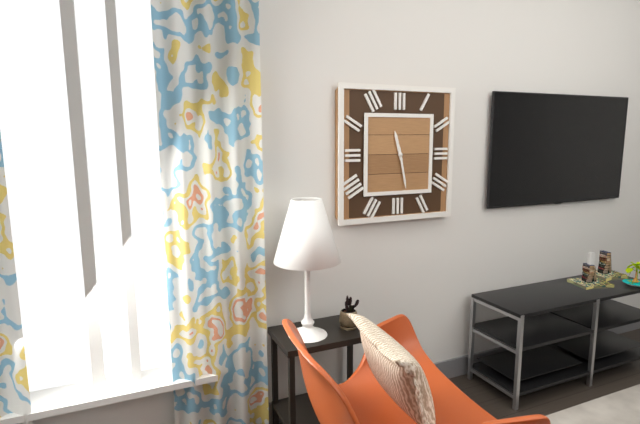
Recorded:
**11:28**
